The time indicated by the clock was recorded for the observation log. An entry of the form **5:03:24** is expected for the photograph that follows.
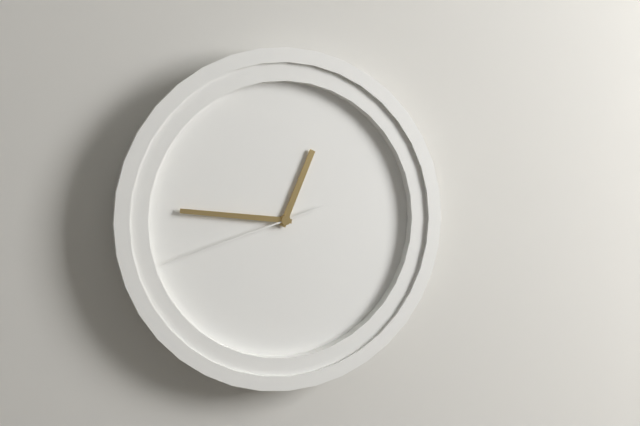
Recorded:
**12:46:42**
